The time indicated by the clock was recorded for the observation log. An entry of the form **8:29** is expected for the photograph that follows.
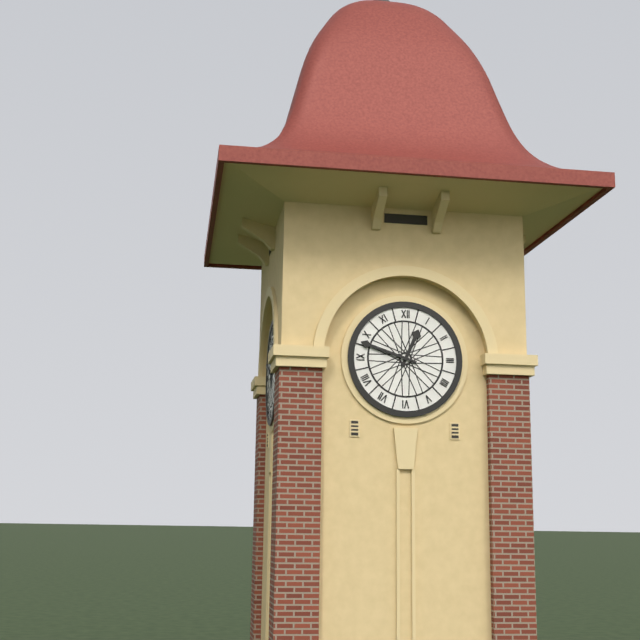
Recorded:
**12:48**
